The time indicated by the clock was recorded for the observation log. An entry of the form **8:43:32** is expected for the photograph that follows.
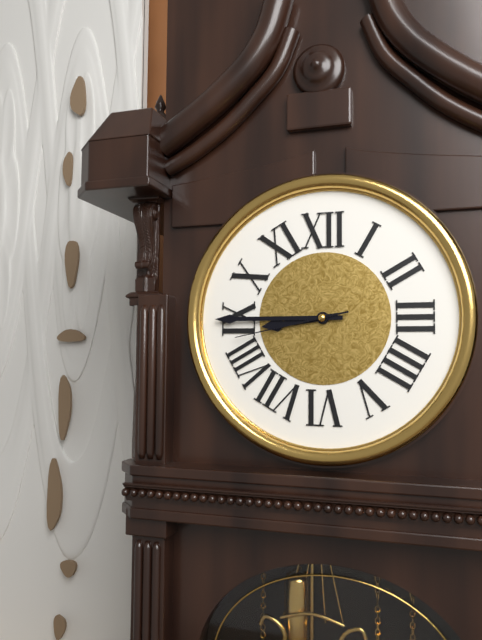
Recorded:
**8:45:43**
